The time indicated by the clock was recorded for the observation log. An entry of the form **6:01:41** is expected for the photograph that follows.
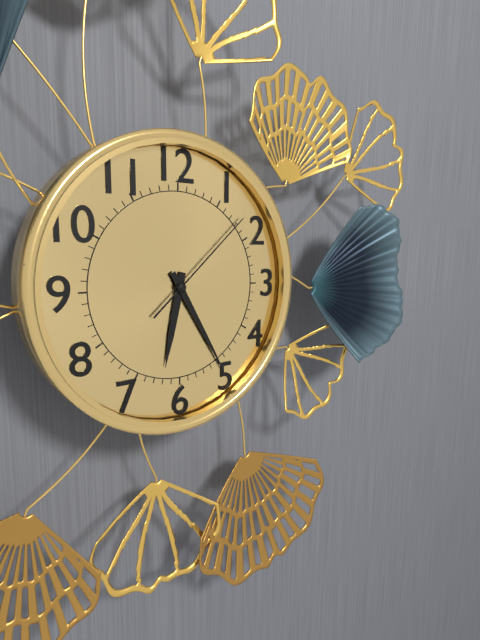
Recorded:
**6:25:08**
